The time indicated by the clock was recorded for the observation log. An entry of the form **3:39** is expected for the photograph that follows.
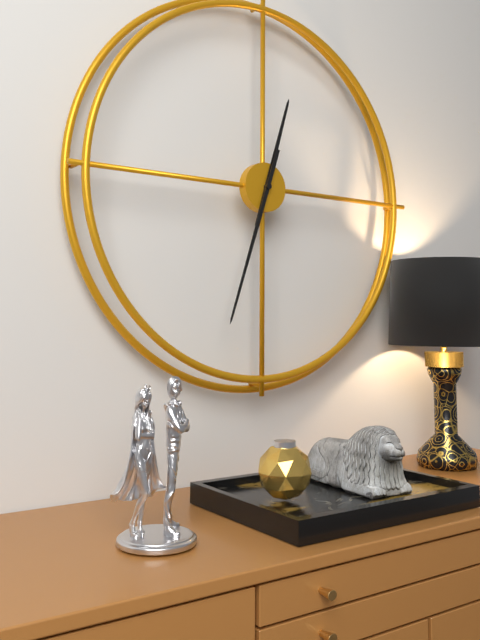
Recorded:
**12:33**
